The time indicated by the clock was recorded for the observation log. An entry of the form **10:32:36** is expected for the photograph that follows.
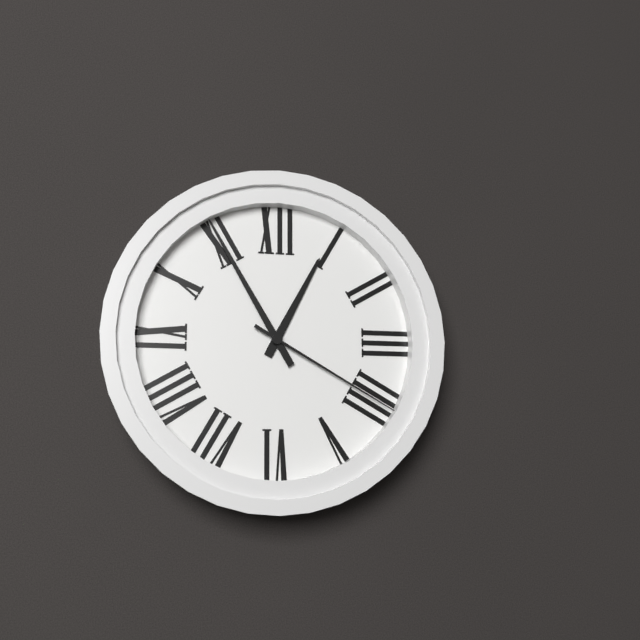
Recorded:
**12:55:20**
